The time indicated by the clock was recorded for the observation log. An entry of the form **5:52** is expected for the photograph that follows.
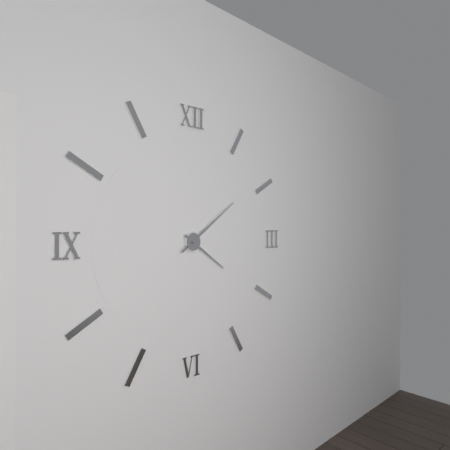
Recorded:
**4:09**
